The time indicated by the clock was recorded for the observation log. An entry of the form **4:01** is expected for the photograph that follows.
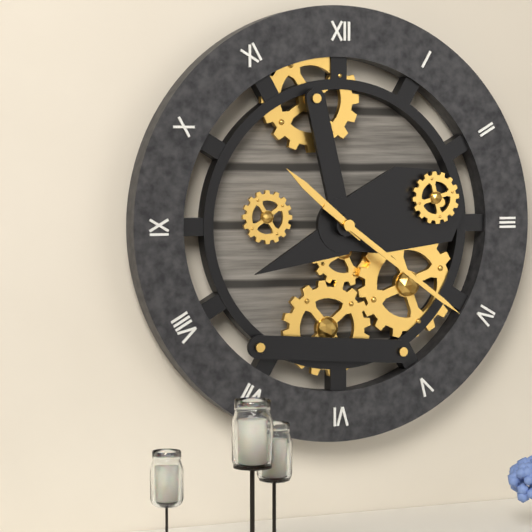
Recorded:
**10:21**
